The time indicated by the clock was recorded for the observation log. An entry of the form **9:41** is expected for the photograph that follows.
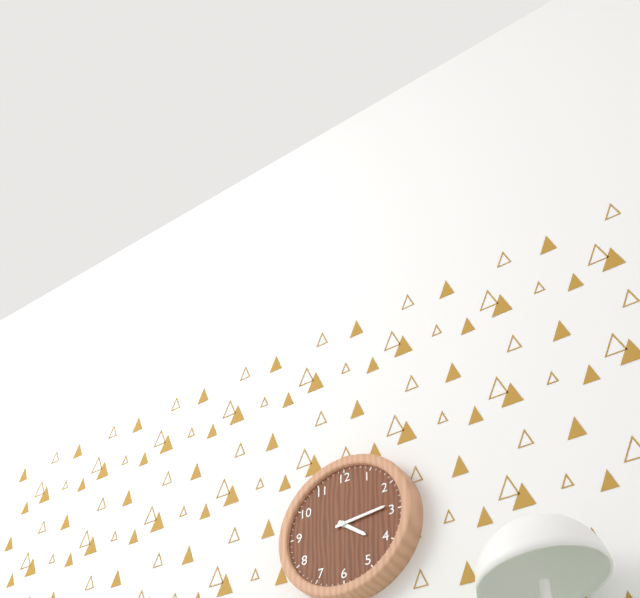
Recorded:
**4:14**
